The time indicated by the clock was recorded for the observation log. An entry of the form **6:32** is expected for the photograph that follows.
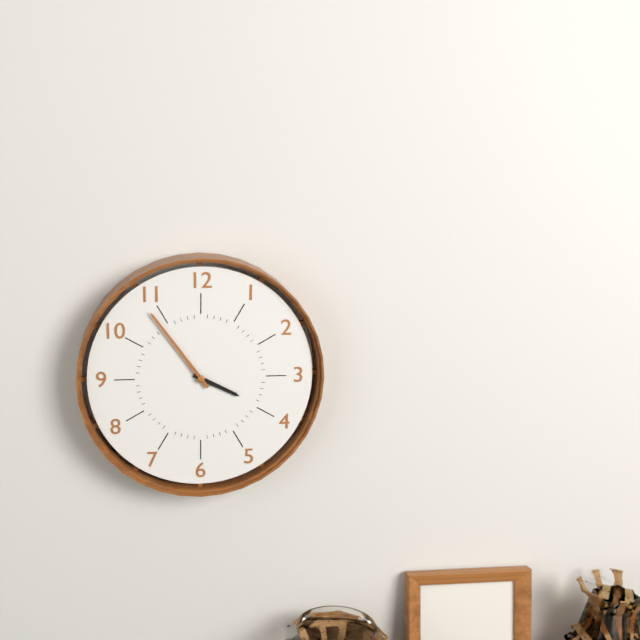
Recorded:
**3:54**
